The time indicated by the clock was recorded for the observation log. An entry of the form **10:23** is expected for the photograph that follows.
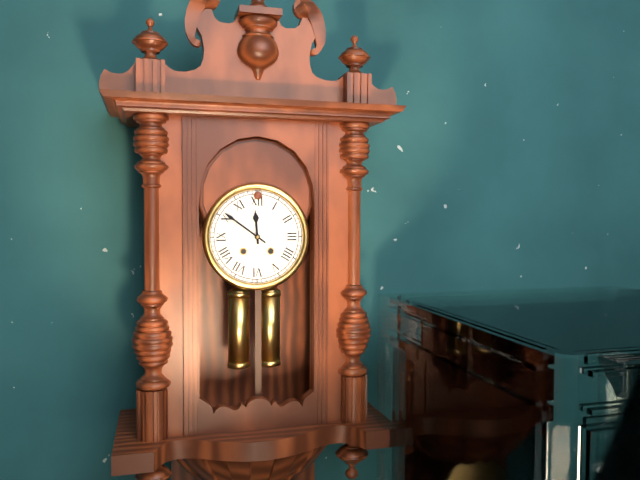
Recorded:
**11:51**
